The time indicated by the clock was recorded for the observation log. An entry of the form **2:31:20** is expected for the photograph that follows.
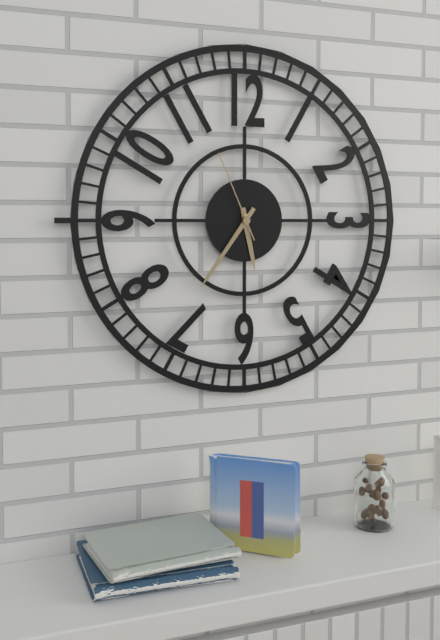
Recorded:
**5:36:56**
